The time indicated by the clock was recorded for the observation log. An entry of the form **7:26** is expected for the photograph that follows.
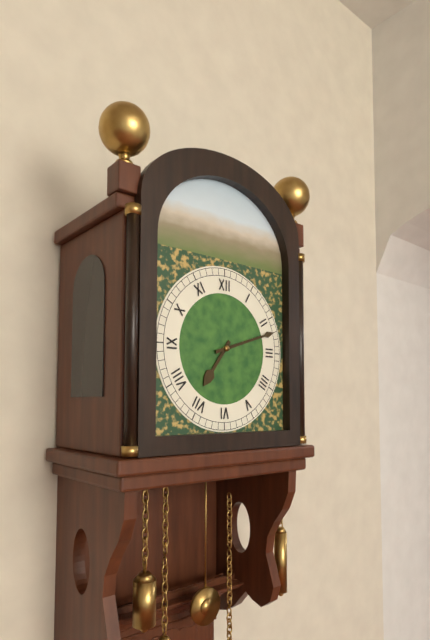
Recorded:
**7:12**
